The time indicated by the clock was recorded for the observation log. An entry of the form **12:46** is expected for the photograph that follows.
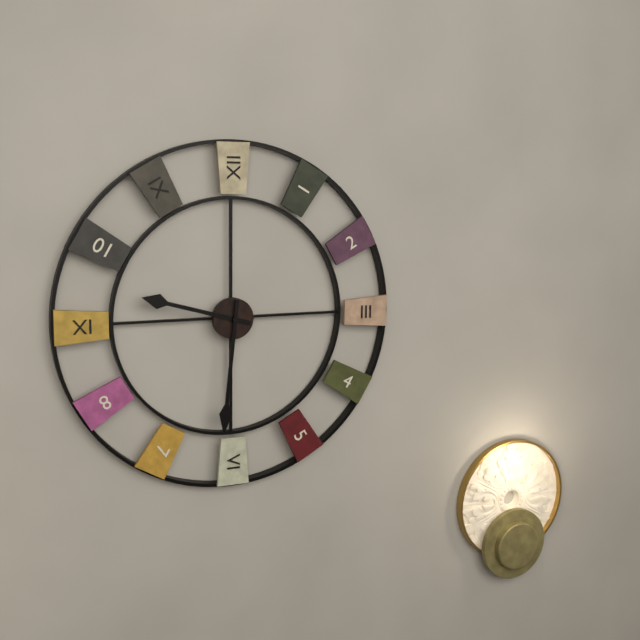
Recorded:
**9:31**
